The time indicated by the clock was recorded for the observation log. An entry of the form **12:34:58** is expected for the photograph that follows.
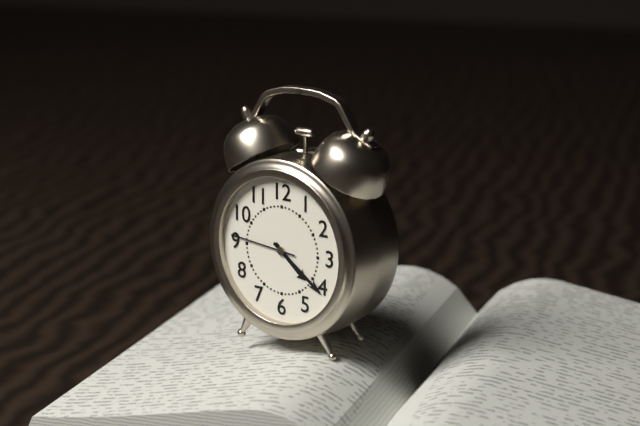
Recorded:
**4:21:46**
